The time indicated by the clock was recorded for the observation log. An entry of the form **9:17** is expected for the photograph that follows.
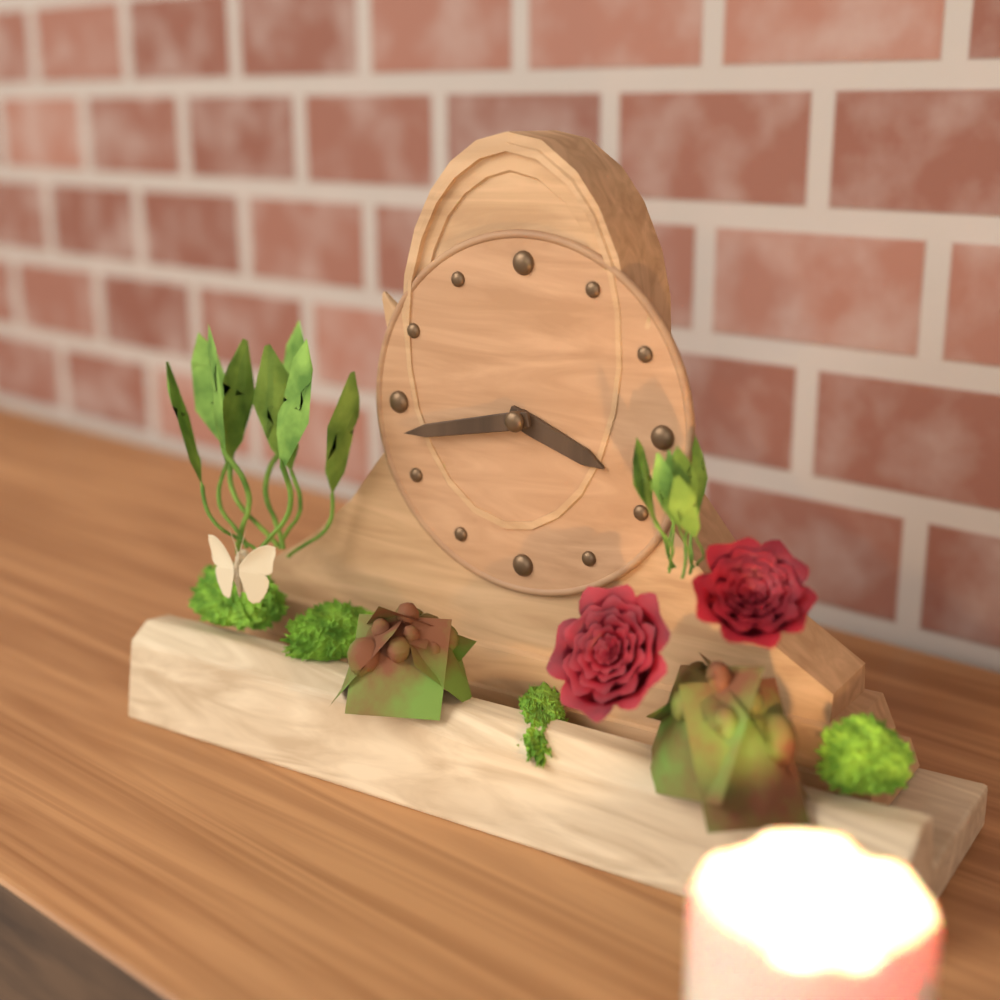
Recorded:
**3:43**
